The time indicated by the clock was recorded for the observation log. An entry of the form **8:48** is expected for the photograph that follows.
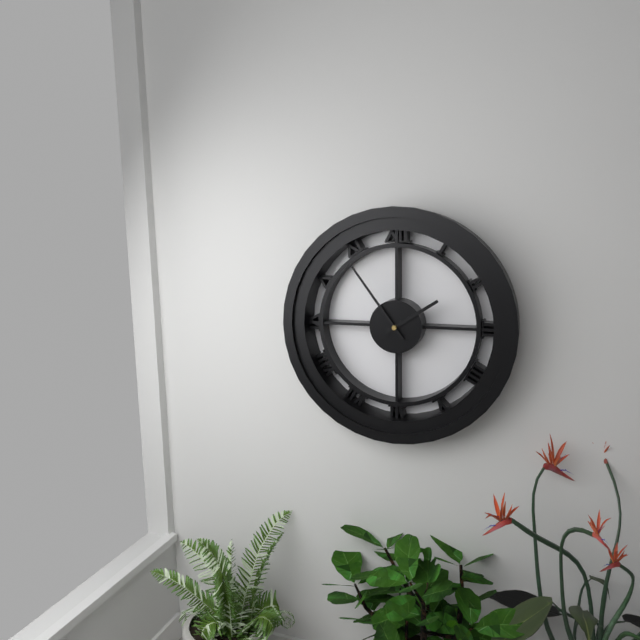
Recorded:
**1:54**
